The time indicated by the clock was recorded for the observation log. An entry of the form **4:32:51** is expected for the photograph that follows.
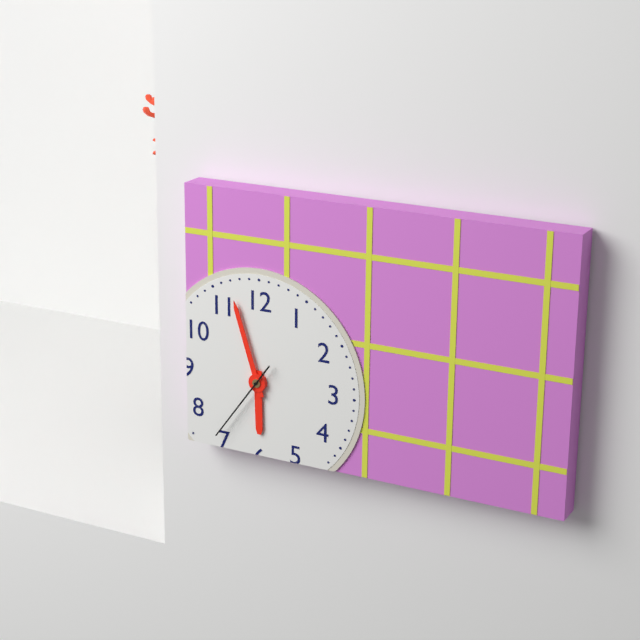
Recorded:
**5:57:36**
